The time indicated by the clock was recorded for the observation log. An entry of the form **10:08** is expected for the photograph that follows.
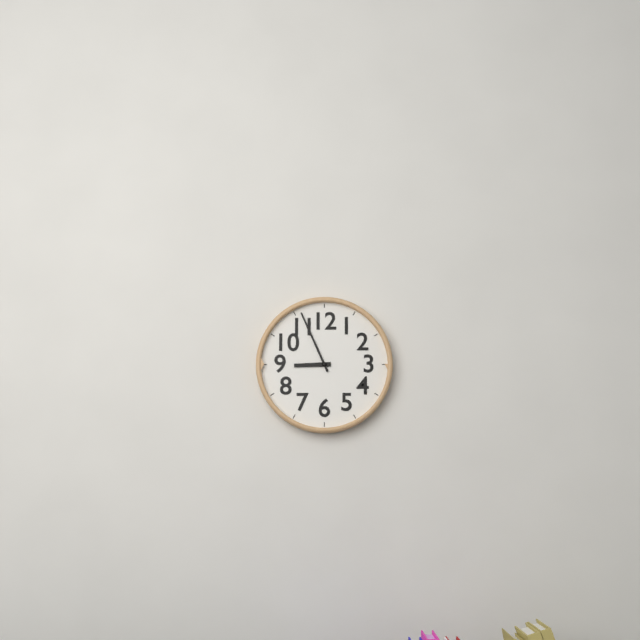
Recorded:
**8:56**
